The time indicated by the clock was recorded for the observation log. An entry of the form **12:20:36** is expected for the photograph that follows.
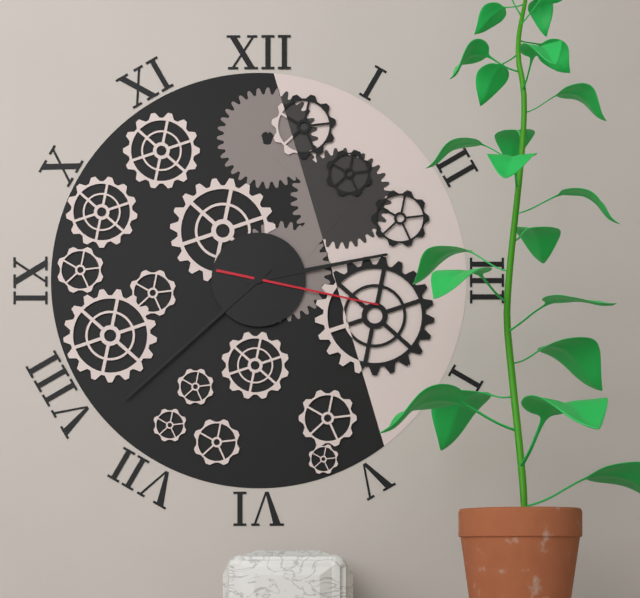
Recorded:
**2:38:17**
